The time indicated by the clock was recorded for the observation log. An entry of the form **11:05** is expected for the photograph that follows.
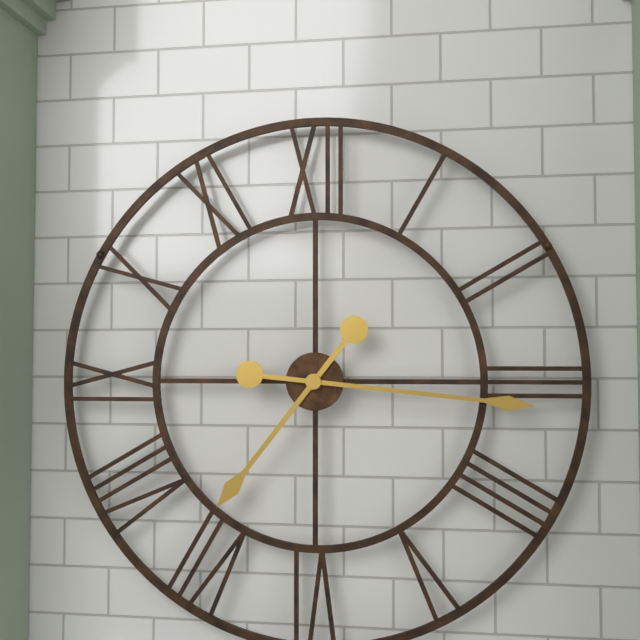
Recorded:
**7:16**
